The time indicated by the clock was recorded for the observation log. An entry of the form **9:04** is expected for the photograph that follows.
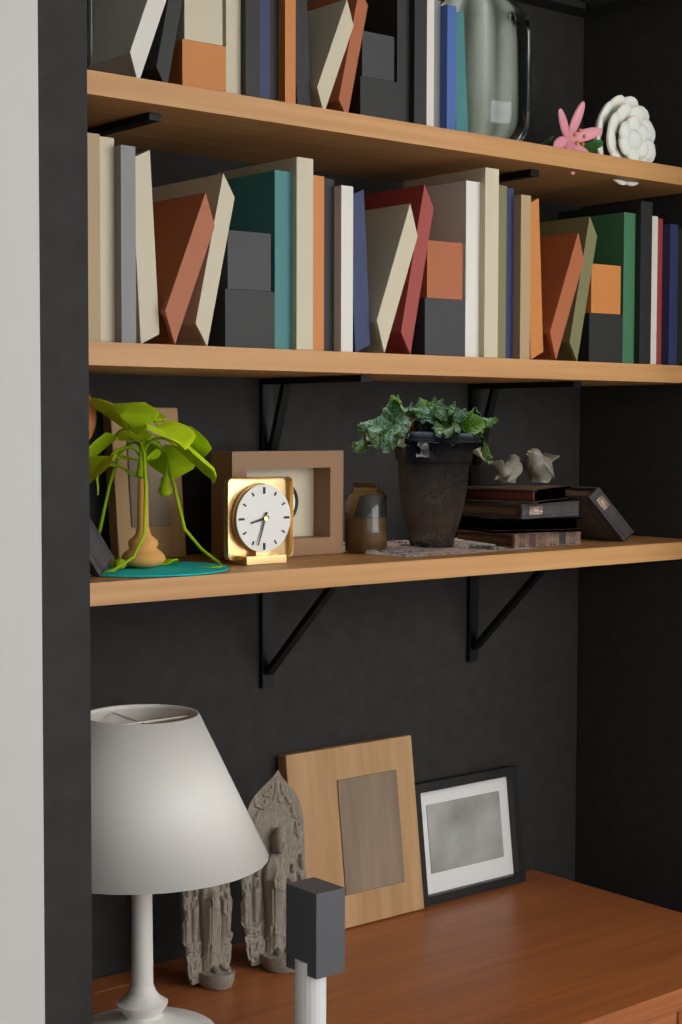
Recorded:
**8:33**
